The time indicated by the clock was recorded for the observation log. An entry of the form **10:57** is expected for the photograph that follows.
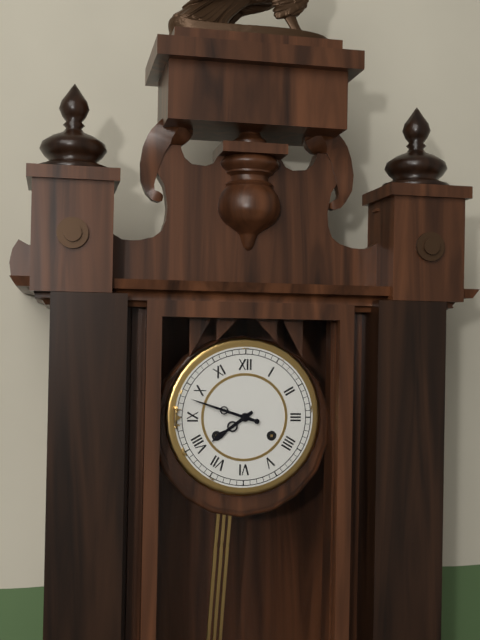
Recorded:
**7:48**
